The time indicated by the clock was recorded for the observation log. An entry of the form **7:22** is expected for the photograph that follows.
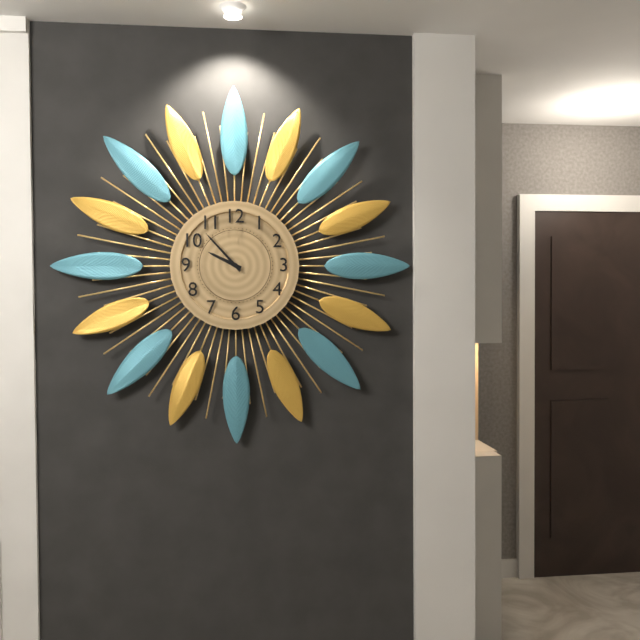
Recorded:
**9:53**
